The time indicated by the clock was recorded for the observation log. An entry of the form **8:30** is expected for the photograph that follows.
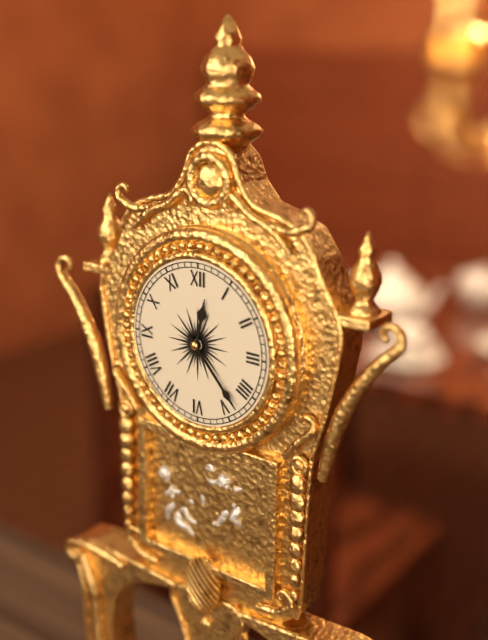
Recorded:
**12:23**
